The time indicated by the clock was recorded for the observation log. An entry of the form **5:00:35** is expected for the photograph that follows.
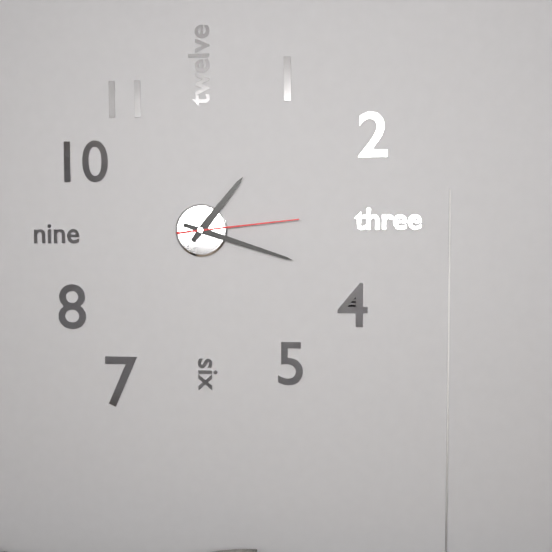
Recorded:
**1:18:14**
